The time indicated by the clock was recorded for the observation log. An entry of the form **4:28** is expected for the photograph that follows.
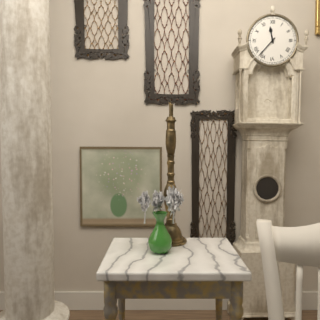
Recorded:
**11:37**
